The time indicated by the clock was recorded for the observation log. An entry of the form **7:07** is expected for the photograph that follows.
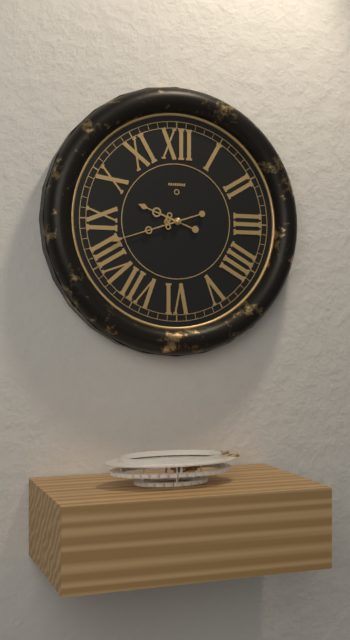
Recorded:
**9:42**
